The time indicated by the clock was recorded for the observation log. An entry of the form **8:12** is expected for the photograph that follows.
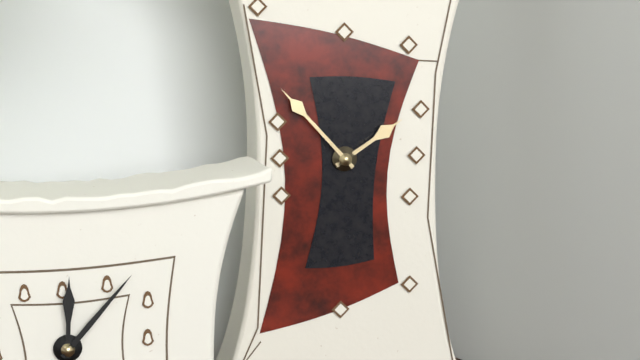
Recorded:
**1:53**
